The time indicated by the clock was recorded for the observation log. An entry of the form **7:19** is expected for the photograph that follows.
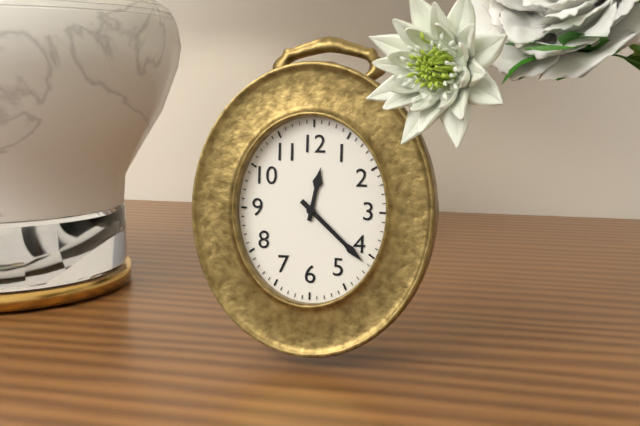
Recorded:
**12:22**
